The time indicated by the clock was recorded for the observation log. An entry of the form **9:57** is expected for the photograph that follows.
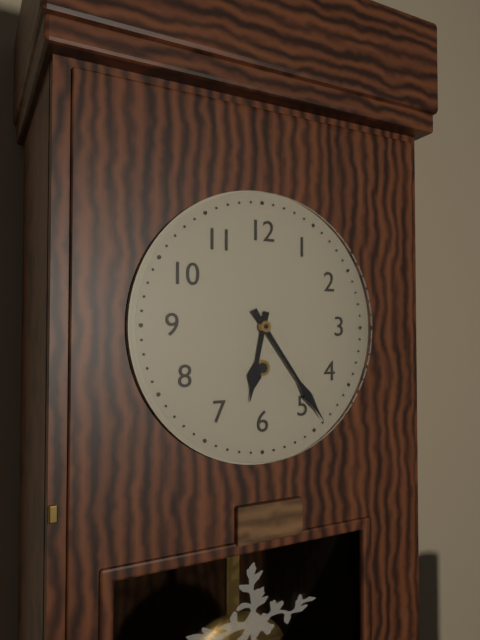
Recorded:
**6:24**
